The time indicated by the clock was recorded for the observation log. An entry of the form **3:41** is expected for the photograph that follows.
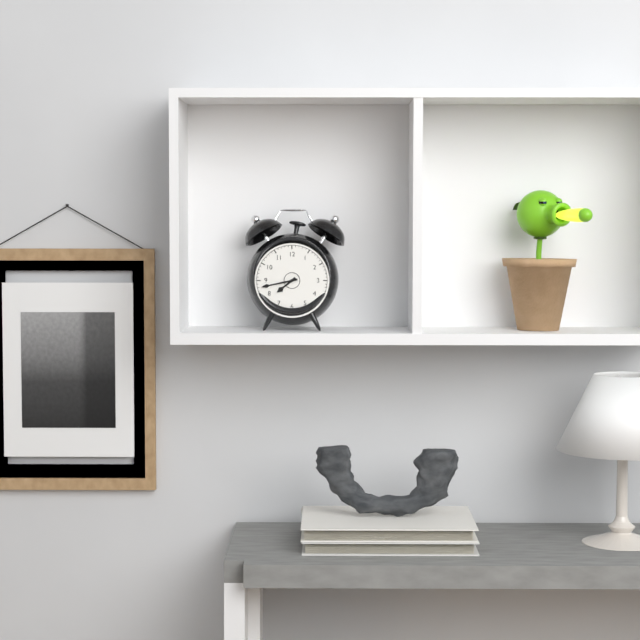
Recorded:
**7:43**
